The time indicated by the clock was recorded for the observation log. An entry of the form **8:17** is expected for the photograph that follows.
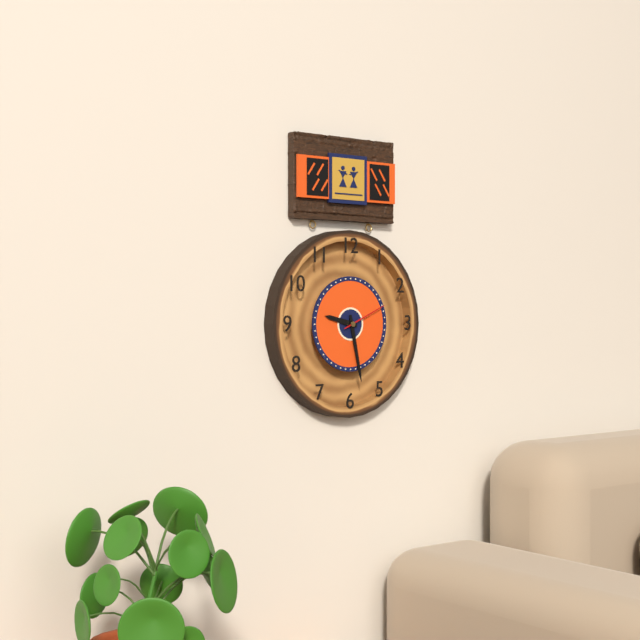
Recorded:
**9:28**
